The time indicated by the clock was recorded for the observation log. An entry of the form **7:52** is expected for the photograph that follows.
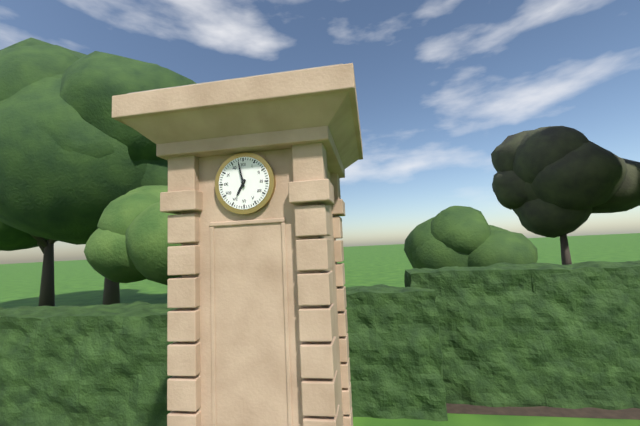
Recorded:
**6:58**
